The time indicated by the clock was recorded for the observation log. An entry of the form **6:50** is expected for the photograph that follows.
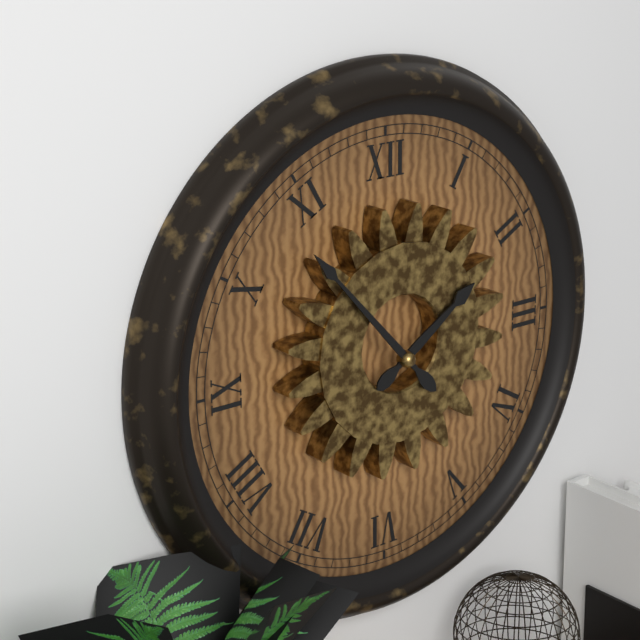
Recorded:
**1:53**
